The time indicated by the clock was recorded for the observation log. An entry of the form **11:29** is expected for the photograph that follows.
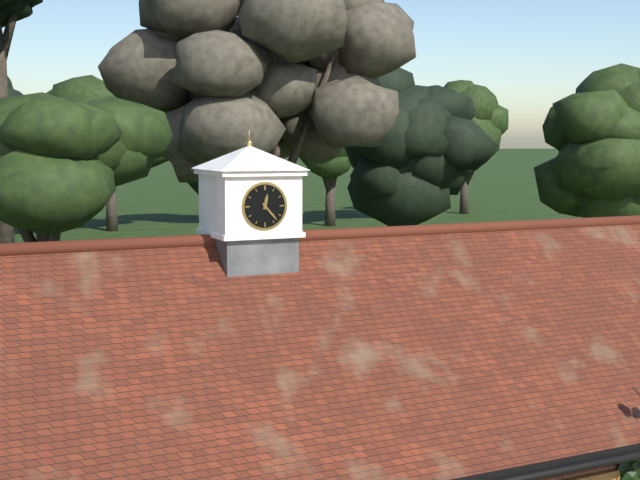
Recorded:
**12:23**
